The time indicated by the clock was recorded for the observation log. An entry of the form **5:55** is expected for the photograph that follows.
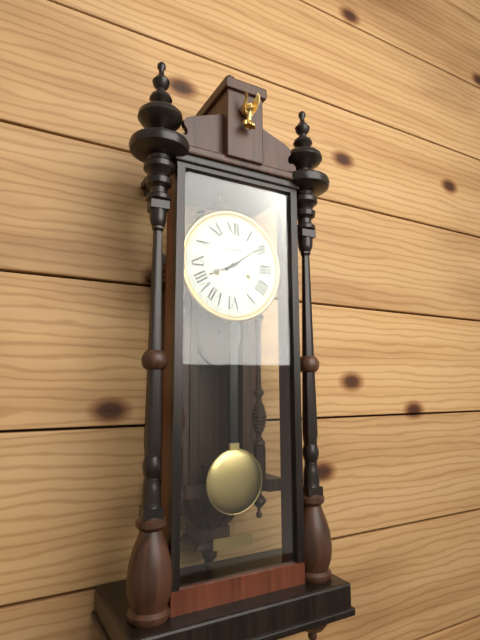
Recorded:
**8:09**
